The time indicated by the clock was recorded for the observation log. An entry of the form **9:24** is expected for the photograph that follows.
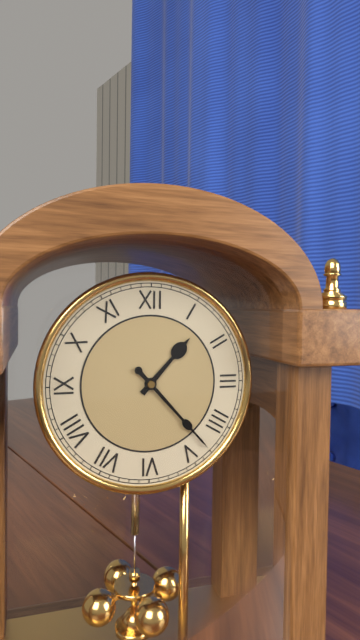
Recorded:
**1:23**
